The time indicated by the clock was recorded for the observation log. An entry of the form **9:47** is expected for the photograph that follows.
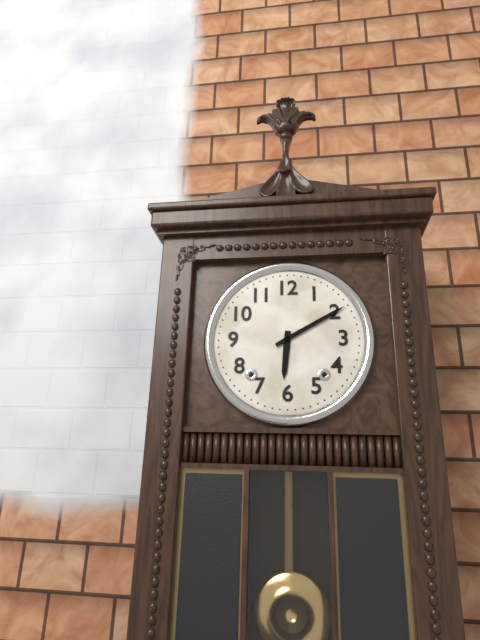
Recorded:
**6:10**
